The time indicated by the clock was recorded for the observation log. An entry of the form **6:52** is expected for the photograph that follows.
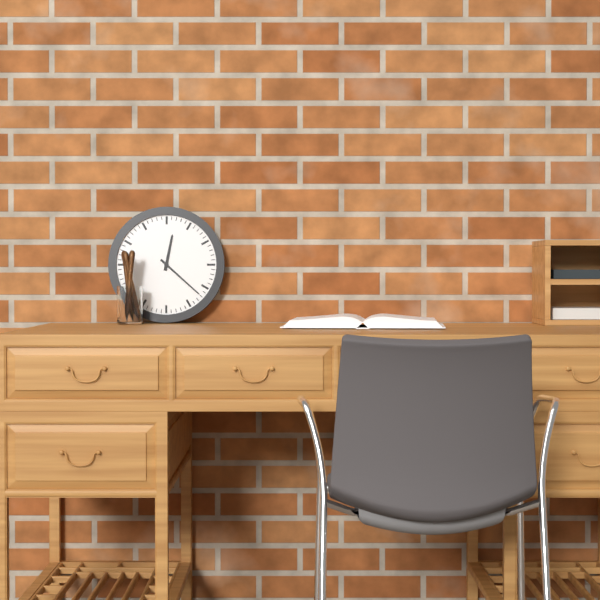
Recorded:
**12:22**
